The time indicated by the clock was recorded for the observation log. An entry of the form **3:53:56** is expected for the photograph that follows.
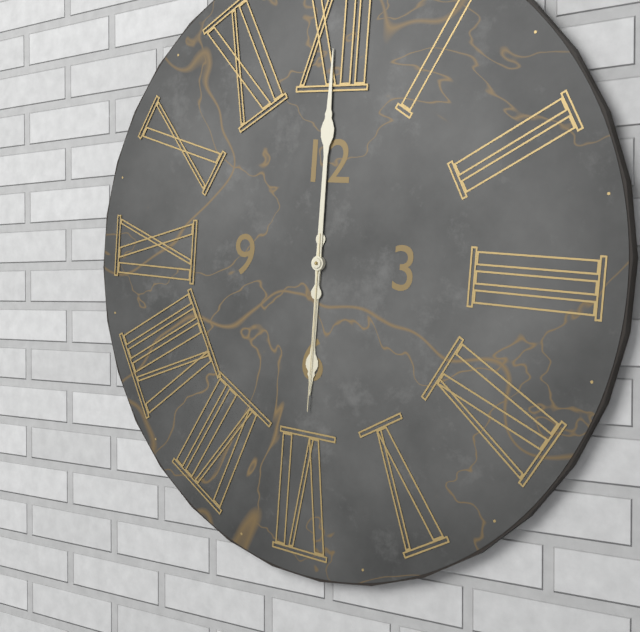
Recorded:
**6:00:30**
